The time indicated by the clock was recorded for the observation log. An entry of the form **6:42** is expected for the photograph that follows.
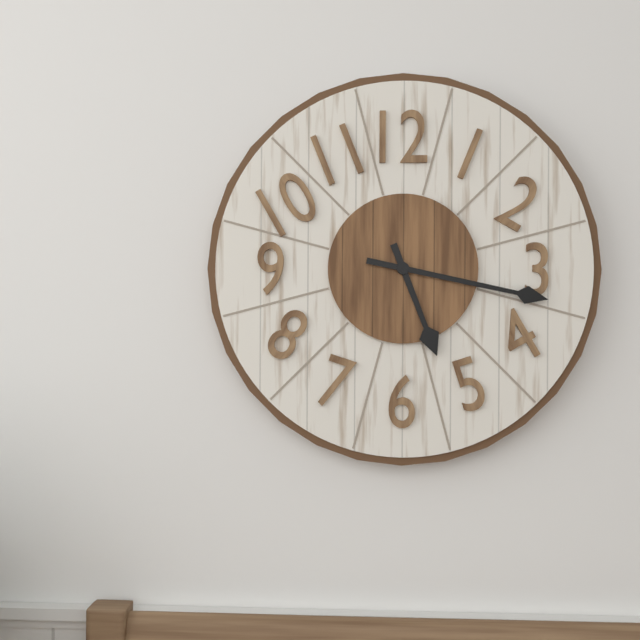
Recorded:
**5:17**
